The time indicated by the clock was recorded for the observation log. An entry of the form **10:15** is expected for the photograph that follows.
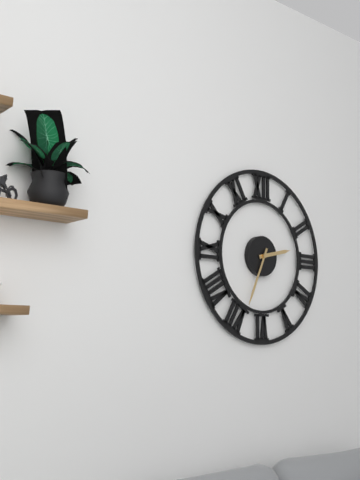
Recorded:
**2:34**
